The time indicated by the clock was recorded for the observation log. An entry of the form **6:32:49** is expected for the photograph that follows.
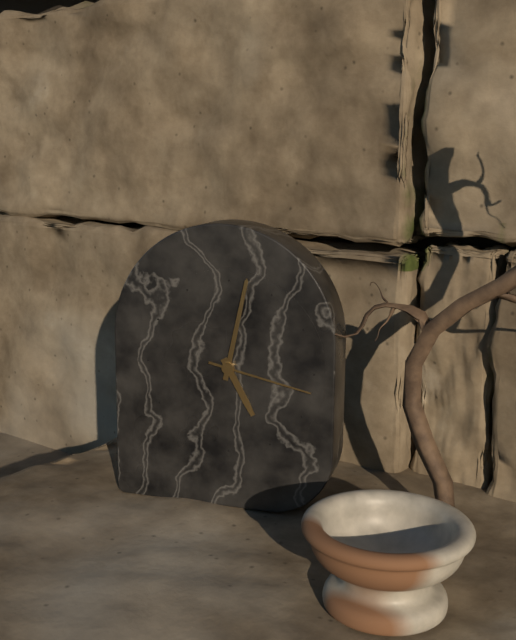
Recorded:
**5:02:17**
